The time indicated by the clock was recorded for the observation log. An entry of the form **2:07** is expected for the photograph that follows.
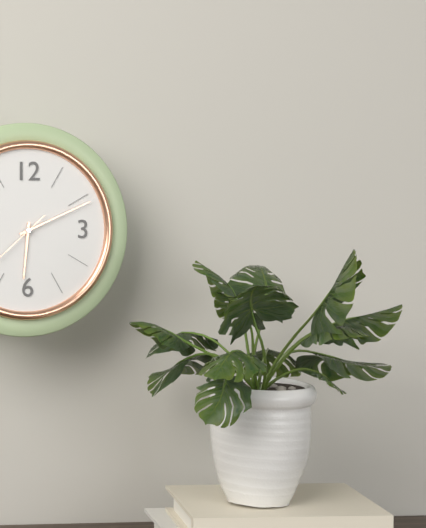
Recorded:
**6:11**
